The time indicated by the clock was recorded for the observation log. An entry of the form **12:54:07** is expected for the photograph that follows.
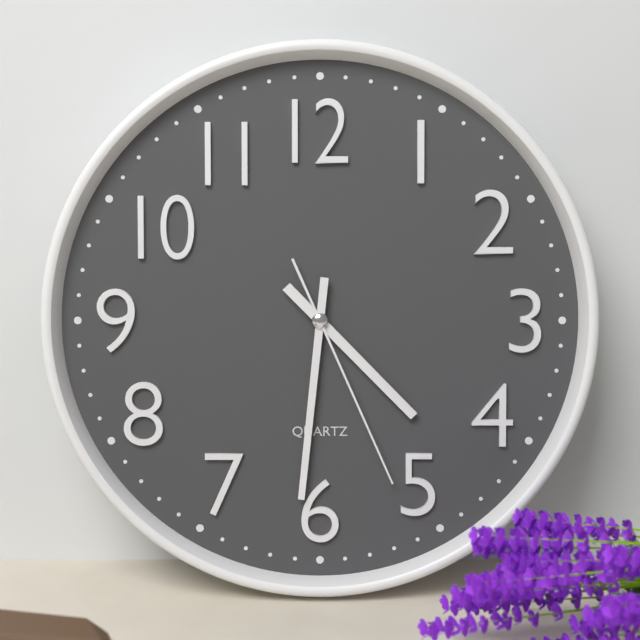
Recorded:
**4:31:26**
